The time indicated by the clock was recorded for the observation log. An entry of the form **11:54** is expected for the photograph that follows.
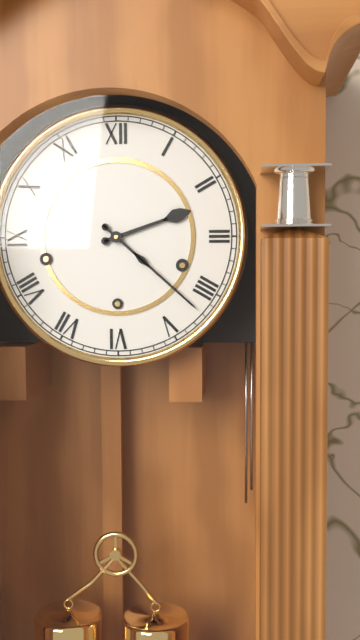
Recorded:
**2:22**
